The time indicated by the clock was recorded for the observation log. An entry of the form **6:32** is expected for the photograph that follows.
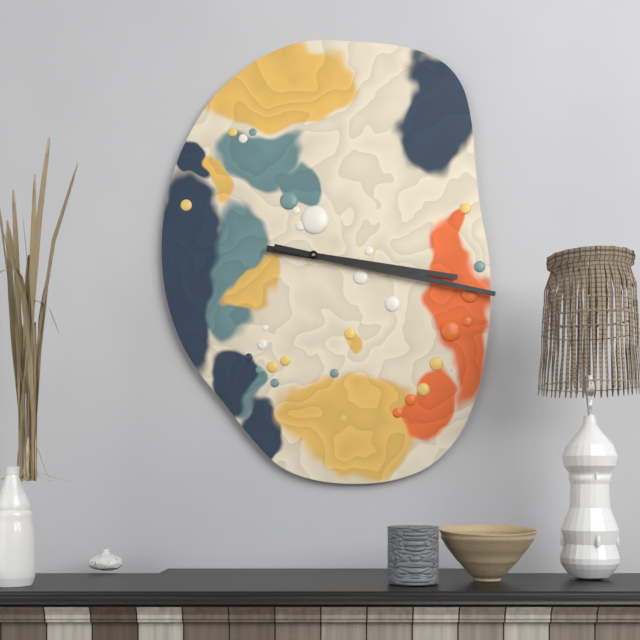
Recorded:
**3:17**
